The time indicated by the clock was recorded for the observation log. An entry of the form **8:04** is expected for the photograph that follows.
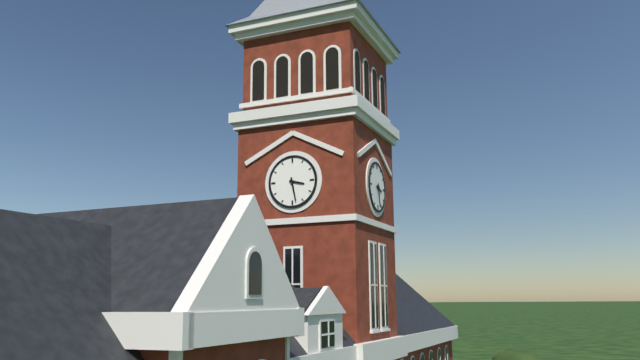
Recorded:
**3:28**
